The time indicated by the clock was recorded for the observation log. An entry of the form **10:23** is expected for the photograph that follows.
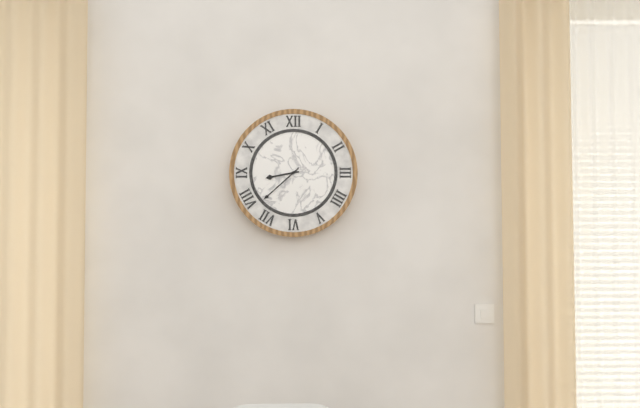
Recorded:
**8:38**
